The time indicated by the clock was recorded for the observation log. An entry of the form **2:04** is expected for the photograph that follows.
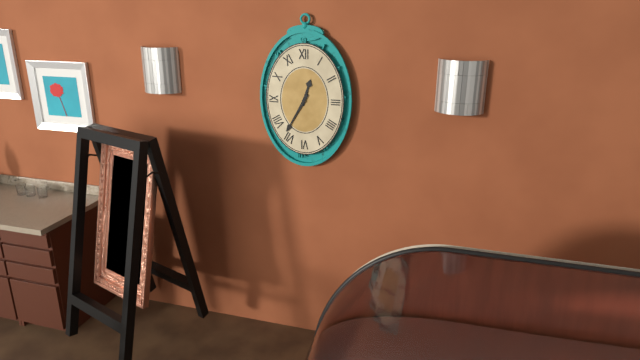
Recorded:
**12:35**
